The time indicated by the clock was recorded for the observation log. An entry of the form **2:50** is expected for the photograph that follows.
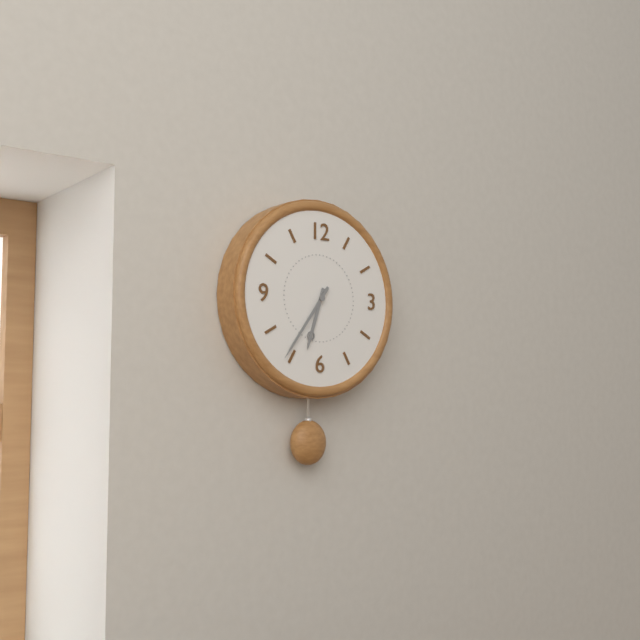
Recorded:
**6:36**
